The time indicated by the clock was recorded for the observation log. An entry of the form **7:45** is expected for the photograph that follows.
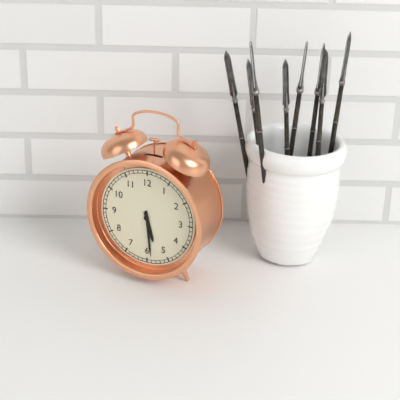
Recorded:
**5:29**
